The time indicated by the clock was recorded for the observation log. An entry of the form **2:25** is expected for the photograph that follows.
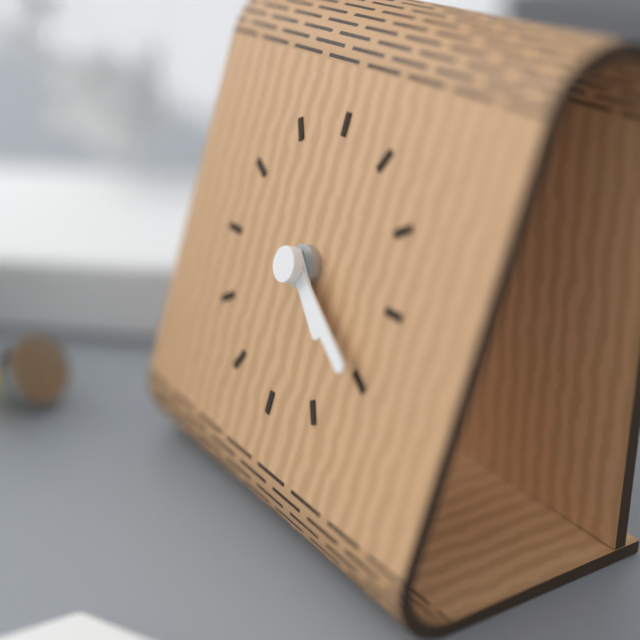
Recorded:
**4:20**
